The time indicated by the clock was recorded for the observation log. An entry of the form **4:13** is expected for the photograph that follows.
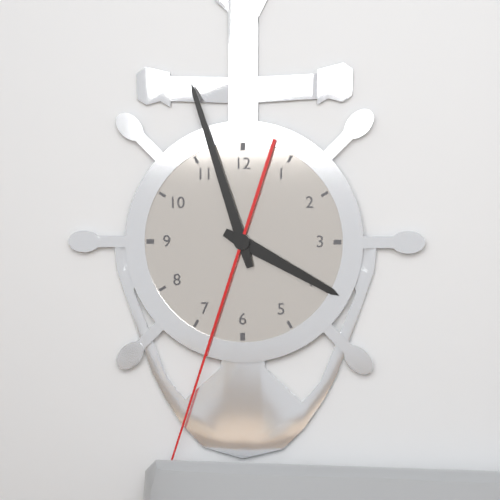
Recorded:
**3:57**
